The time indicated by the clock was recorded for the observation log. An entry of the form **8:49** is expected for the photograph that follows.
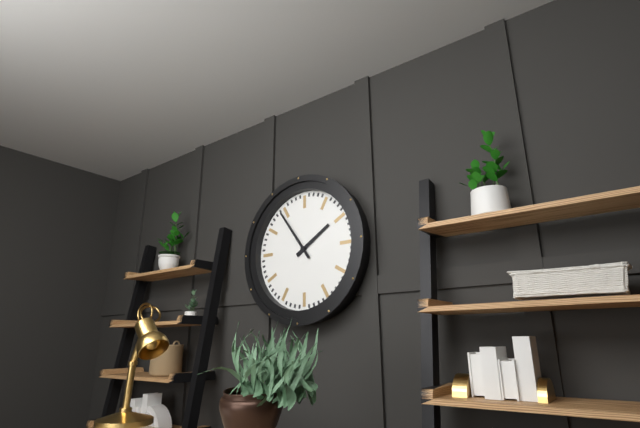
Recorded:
**1:54**
